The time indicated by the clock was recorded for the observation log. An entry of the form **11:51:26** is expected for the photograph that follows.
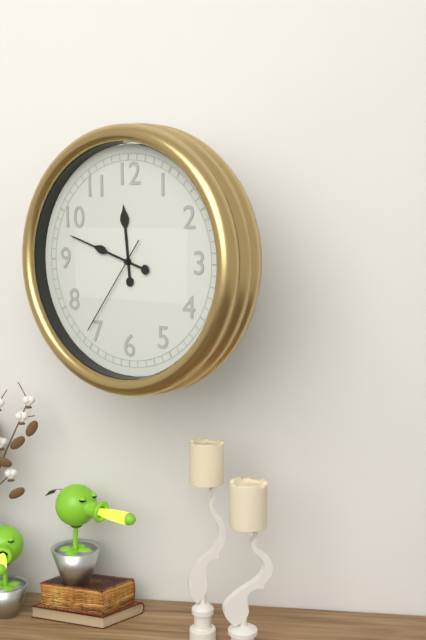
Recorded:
**11:48:36**
